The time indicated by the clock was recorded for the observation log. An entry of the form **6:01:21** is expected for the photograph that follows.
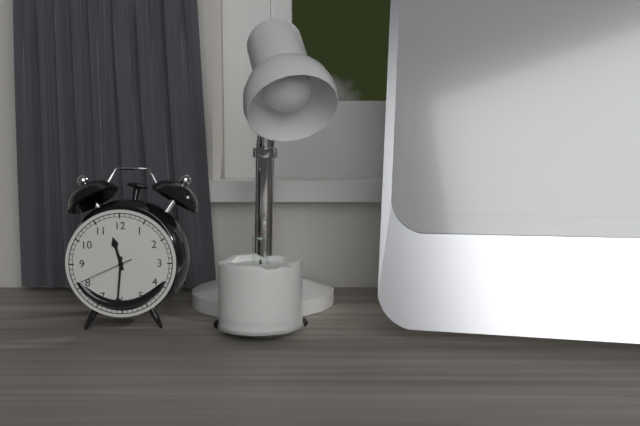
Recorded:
**11:31:41**
